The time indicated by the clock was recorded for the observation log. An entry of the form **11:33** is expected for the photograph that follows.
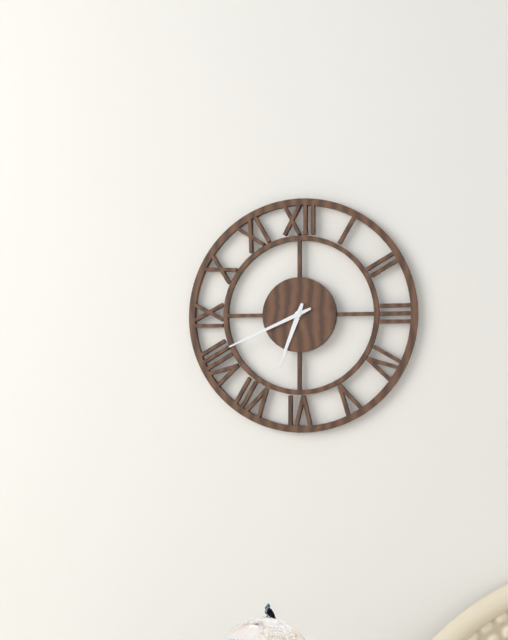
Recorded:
**6:41**
